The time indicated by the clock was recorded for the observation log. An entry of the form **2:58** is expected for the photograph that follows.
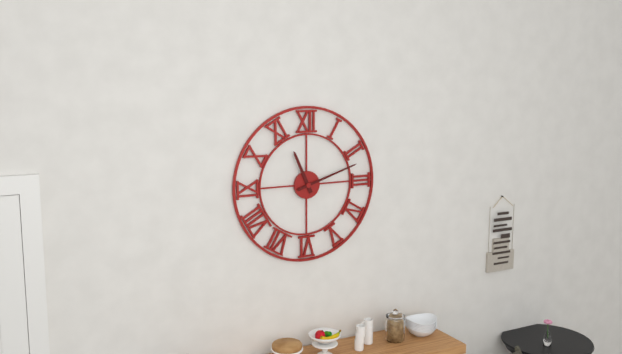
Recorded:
**11:12**
